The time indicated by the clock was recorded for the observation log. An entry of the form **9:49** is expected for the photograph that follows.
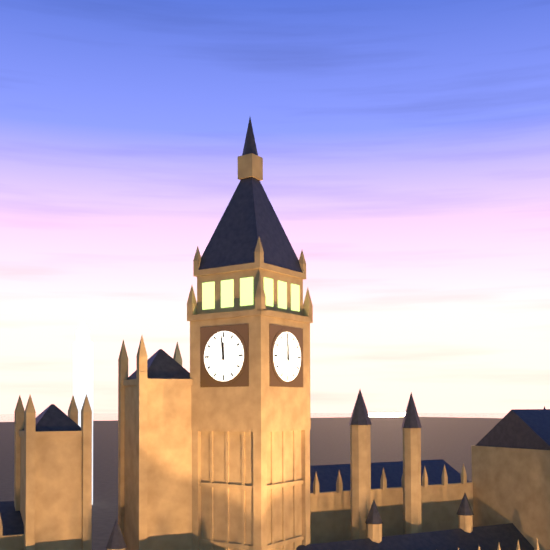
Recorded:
**11:59**
